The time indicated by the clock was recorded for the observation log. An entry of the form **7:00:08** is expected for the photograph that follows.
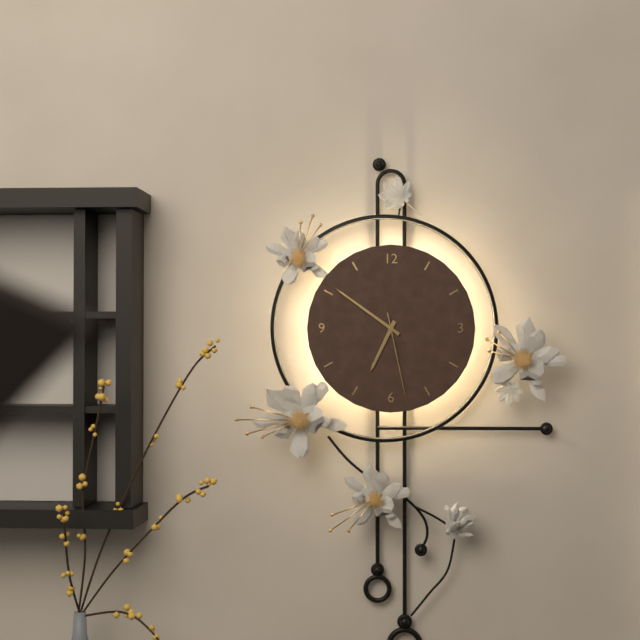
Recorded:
**6:51:28**
